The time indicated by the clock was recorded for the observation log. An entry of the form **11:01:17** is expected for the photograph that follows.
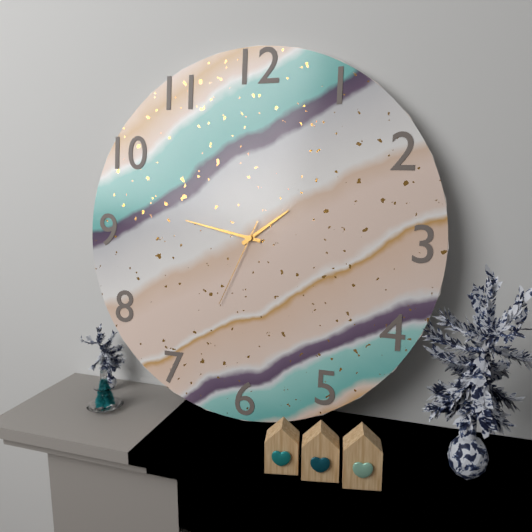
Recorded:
**1:47:34**
